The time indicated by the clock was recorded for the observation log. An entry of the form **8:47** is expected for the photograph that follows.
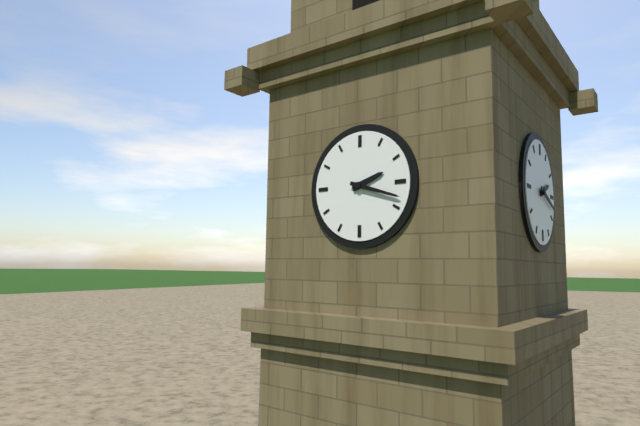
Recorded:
**2:18**
